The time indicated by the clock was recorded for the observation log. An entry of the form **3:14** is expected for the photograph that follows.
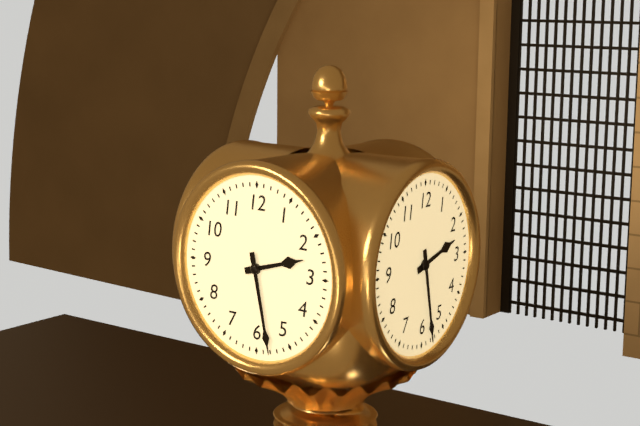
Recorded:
**2:28**
